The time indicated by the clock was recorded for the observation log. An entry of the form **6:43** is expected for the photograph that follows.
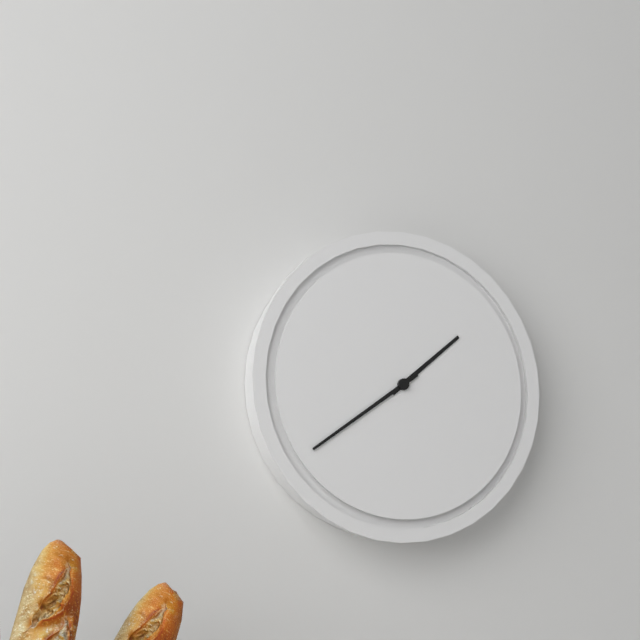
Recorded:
**1:39**
